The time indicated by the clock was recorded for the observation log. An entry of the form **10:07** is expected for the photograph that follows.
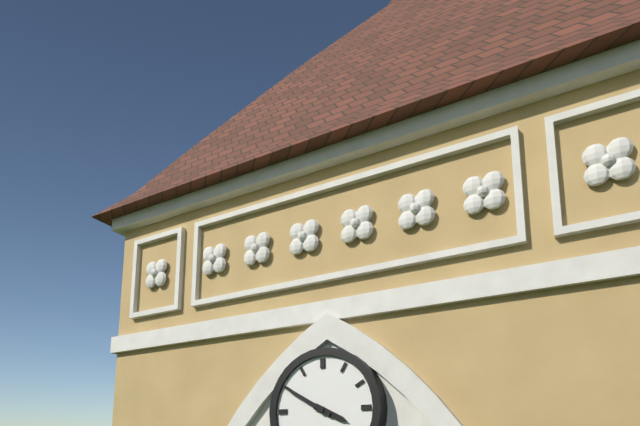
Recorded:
**3:50**
